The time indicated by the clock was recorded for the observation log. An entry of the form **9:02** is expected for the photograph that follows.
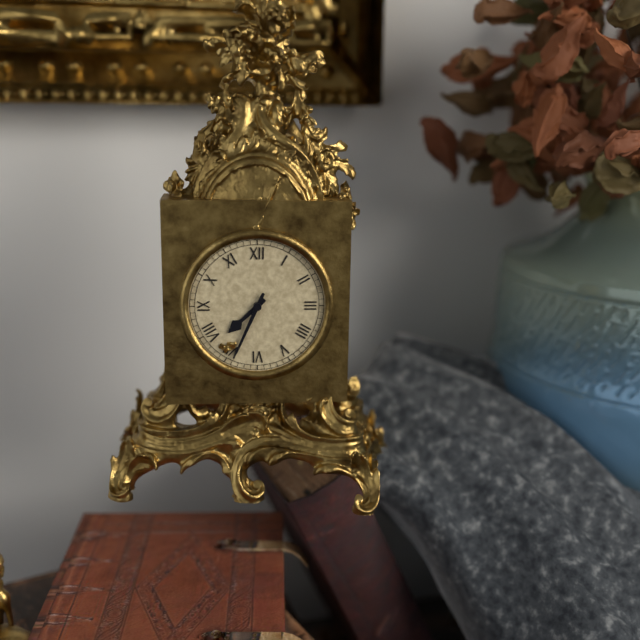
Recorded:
**7:34**
